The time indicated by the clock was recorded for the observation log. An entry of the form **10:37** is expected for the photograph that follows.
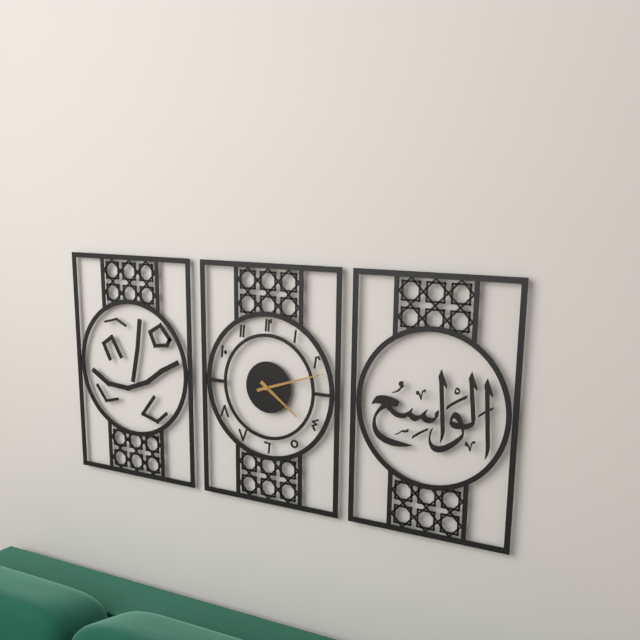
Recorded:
**4:12**
